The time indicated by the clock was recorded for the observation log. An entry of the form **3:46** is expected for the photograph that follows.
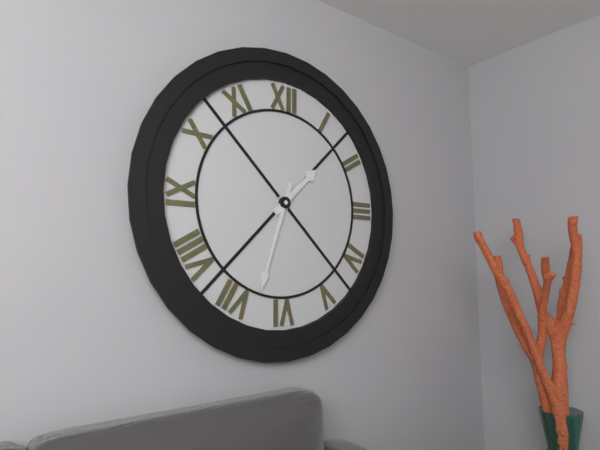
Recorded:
**1:33**
